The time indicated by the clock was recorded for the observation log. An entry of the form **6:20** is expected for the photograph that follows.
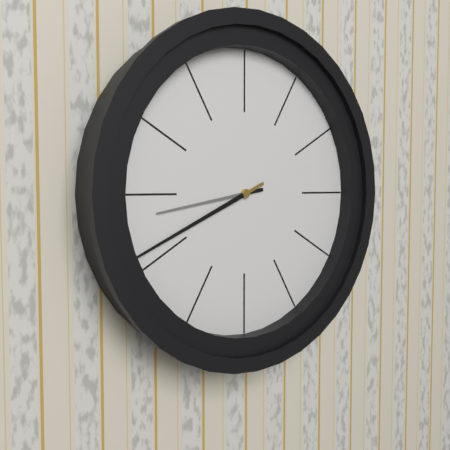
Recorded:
**8:41**
